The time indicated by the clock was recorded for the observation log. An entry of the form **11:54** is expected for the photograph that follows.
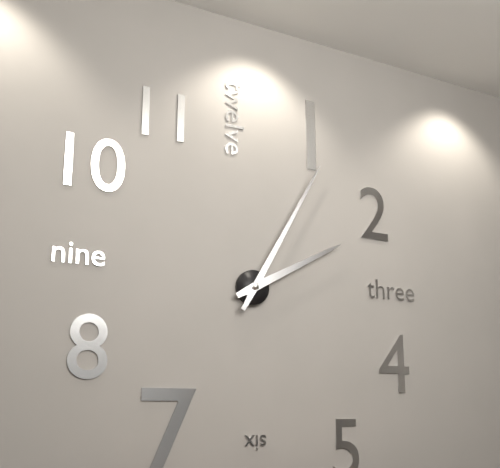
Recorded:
**2:05**
